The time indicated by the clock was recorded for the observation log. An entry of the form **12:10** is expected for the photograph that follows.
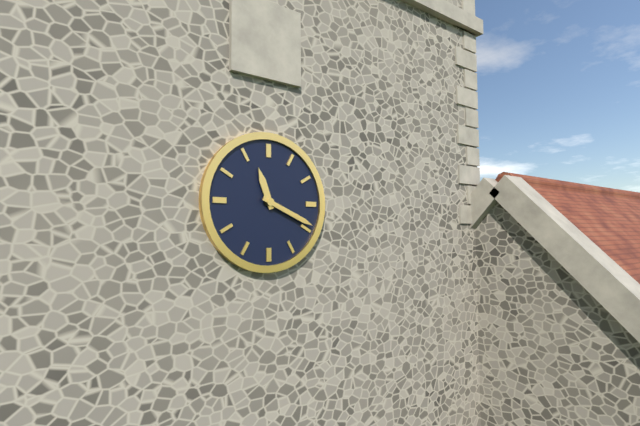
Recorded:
**11:19**
